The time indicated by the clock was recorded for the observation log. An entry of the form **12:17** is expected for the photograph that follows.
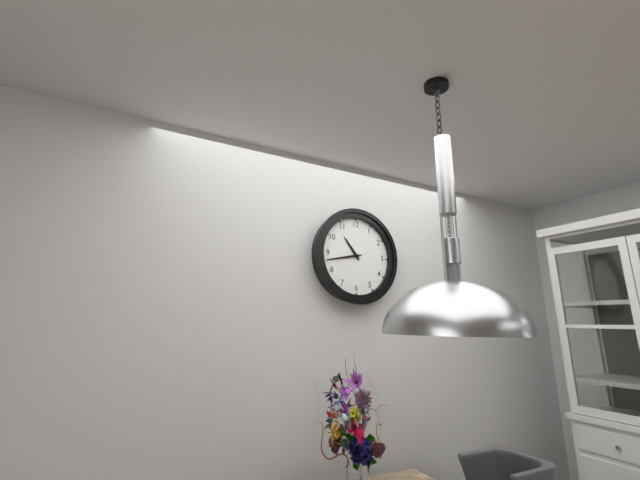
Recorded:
**10:43**
